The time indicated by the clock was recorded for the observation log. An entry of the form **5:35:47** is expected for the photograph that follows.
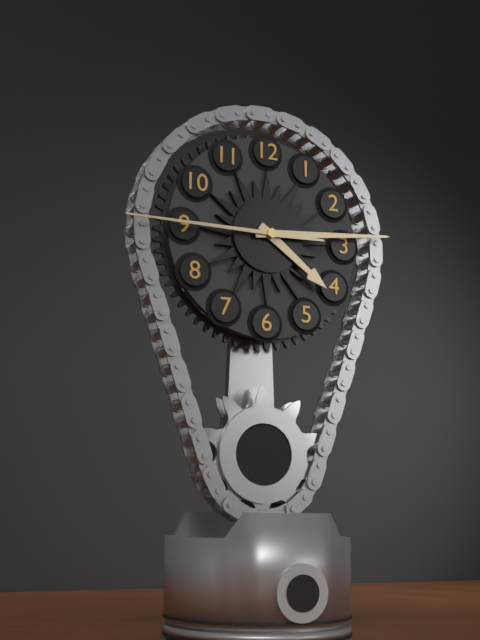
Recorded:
**4:14:45**
